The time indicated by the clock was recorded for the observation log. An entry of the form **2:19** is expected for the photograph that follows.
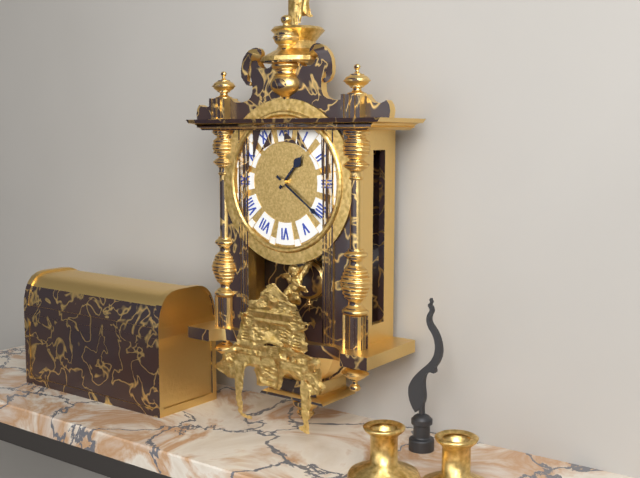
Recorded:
**1:21**
